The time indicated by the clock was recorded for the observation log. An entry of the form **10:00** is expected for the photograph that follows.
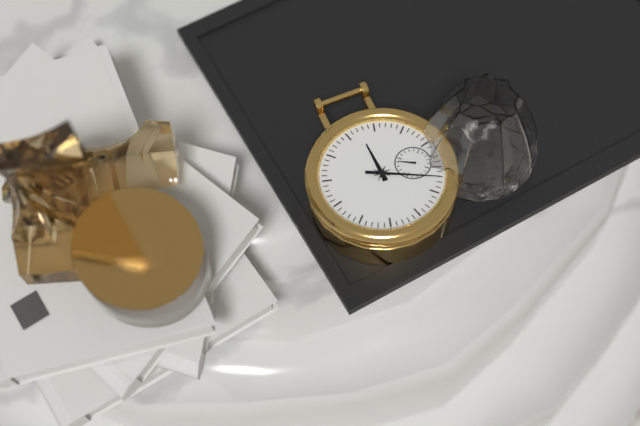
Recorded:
**1:27**
